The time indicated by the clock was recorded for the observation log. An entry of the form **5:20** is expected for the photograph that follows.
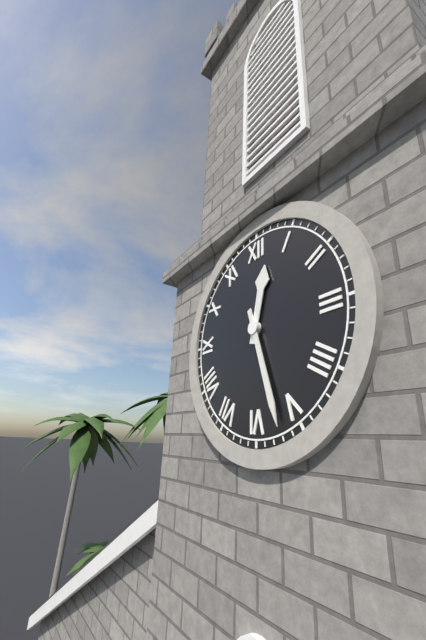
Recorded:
**12:27**
